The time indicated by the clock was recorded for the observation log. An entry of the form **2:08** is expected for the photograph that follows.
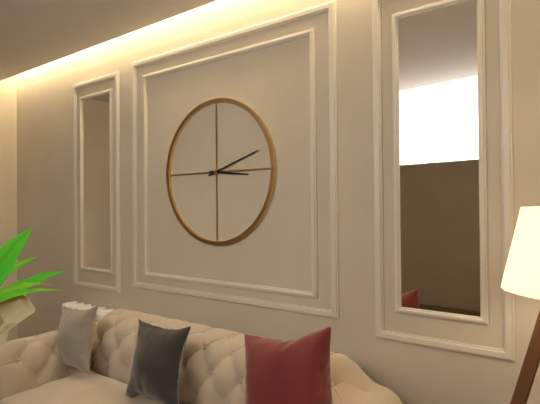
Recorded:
**3:12**
